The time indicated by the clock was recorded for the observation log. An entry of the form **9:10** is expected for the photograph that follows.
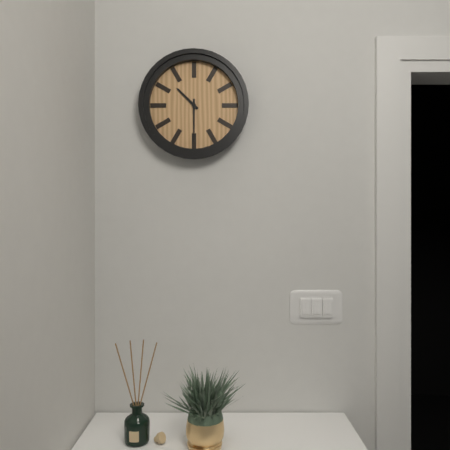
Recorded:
**10:30**
